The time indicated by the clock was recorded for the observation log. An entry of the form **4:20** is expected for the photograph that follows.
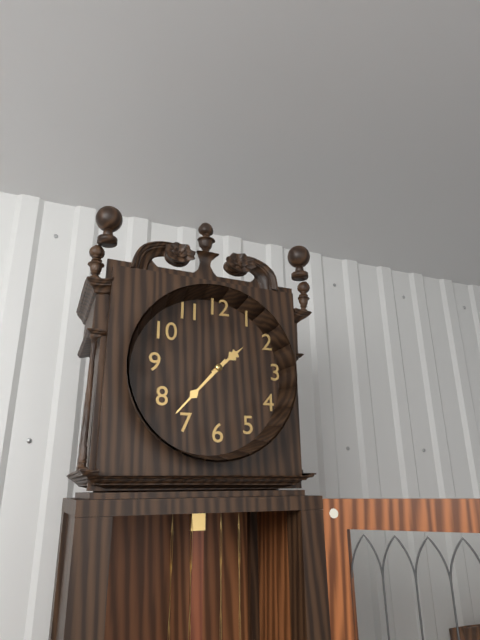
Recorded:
**1:37**
